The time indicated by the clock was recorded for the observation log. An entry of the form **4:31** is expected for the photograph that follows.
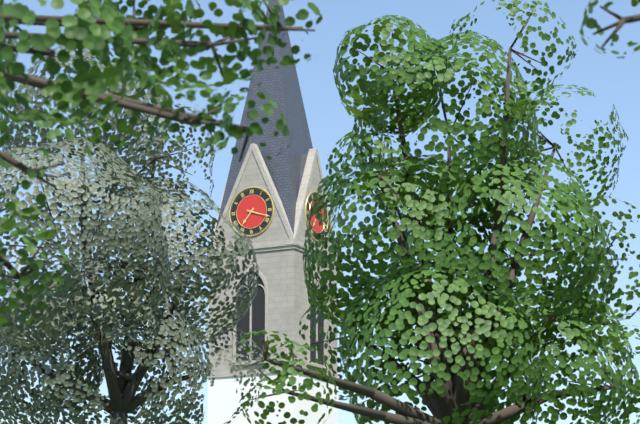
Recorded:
**7:18**
